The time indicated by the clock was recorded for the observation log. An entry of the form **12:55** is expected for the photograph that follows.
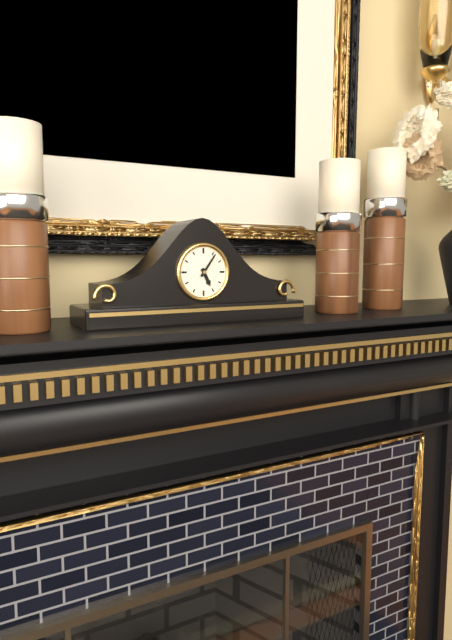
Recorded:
**5:06**
